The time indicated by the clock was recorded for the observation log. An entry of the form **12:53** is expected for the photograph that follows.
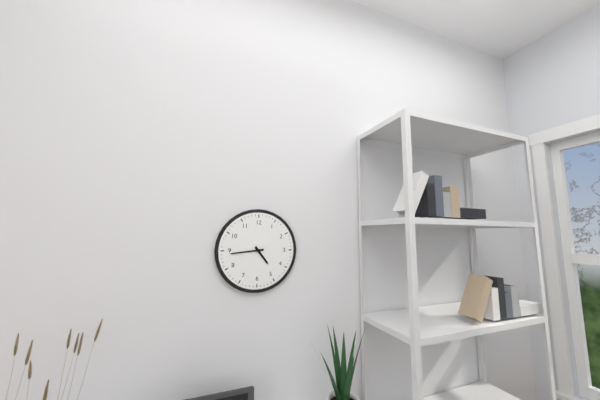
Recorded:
**4:44**
